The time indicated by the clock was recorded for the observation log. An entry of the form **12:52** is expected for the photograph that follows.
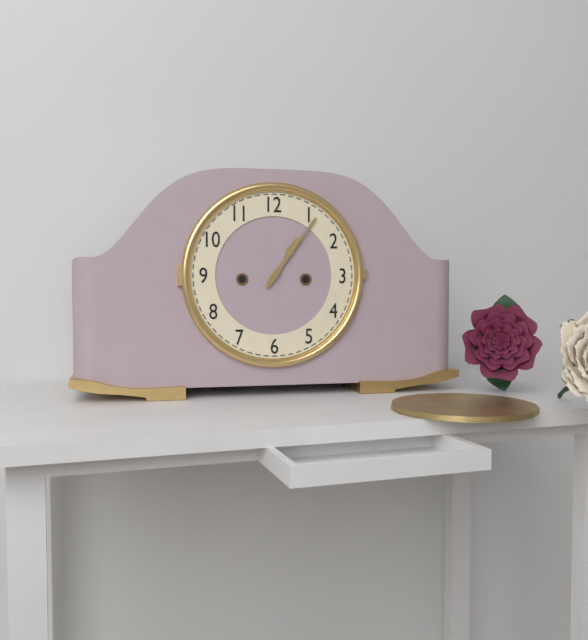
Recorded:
**1:06**
